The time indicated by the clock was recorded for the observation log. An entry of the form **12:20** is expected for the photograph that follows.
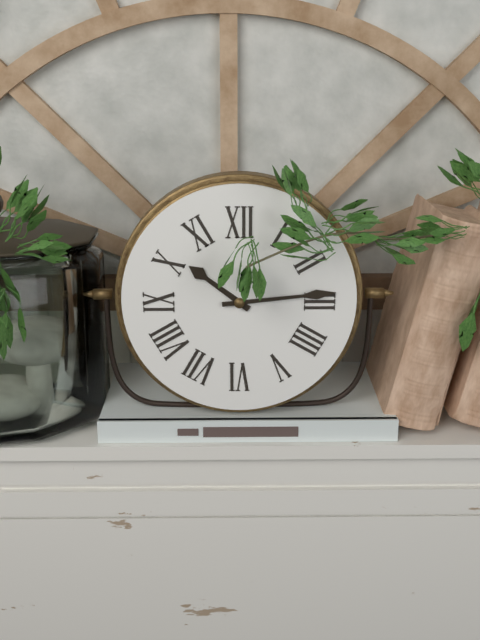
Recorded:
**10:14**
